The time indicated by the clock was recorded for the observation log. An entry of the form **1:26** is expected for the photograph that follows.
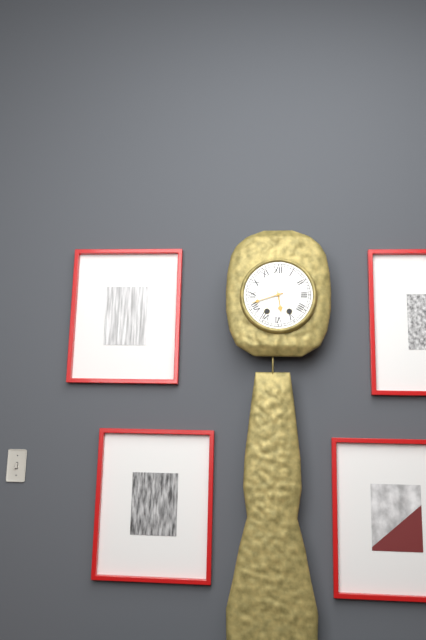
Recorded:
**5:42**
